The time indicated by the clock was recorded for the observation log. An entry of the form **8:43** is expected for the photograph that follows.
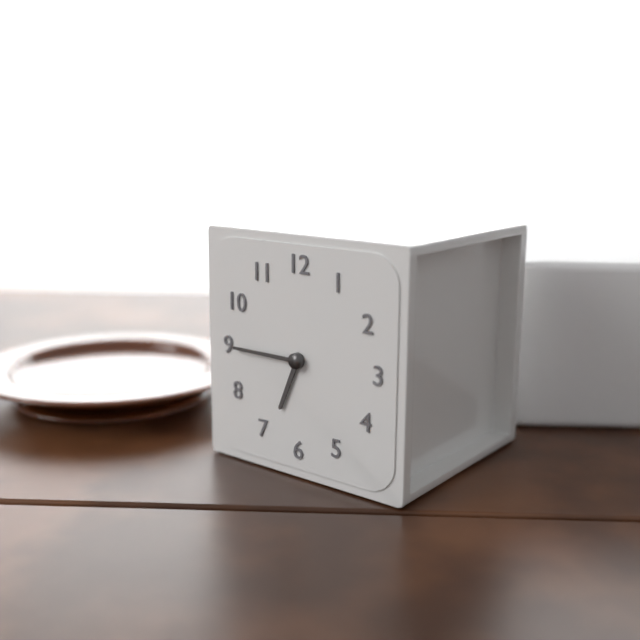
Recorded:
**6:45**
